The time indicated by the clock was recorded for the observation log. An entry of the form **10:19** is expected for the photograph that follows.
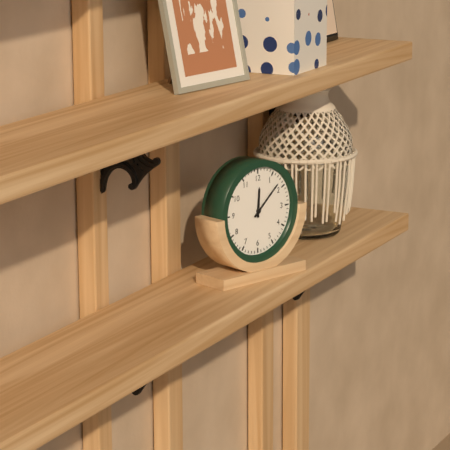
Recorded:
**12:08**
